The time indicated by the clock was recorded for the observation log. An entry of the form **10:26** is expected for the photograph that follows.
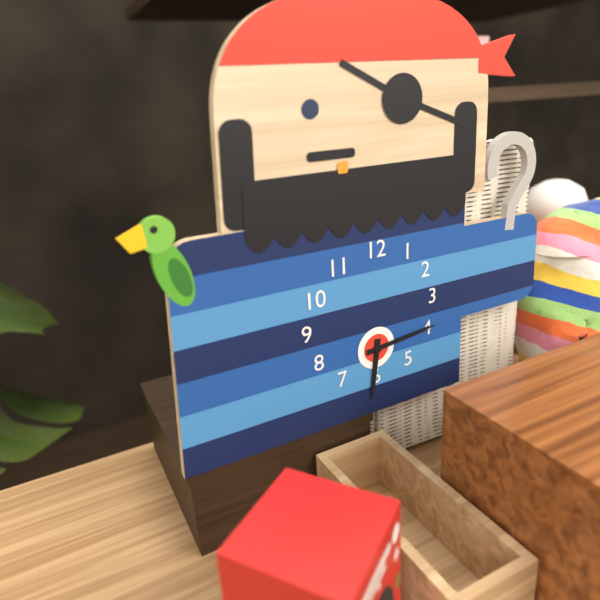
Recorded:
**6:14**
